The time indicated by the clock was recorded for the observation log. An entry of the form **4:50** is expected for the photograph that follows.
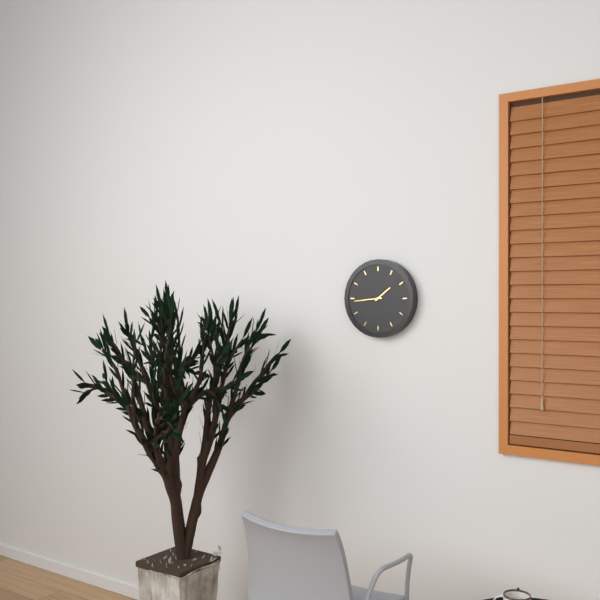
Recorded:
**1:44**
